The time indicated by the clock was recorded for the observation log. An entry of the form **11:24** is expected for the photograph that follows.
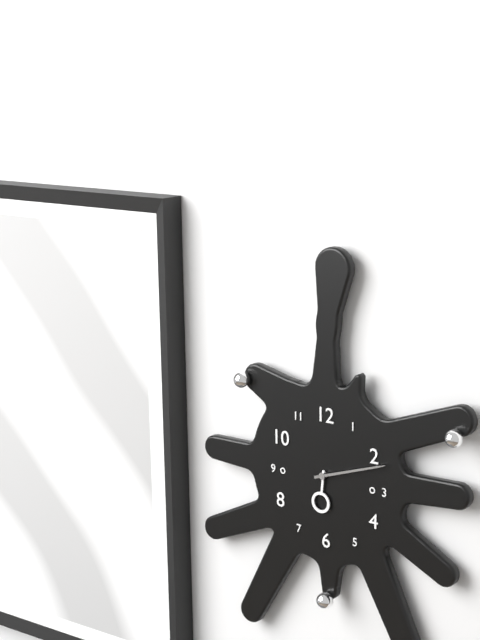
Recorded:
**6:12**
